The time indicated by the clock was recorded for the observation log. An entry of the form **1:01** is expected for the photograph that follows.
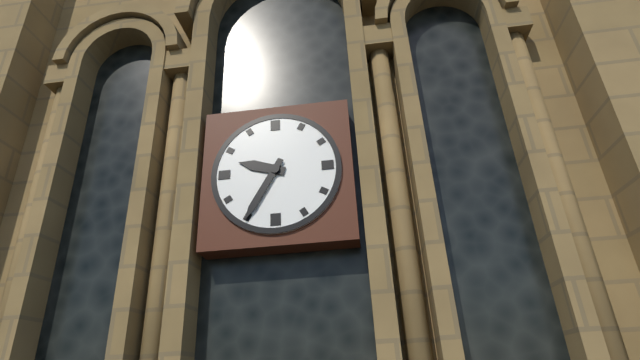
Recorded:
**9:35**
